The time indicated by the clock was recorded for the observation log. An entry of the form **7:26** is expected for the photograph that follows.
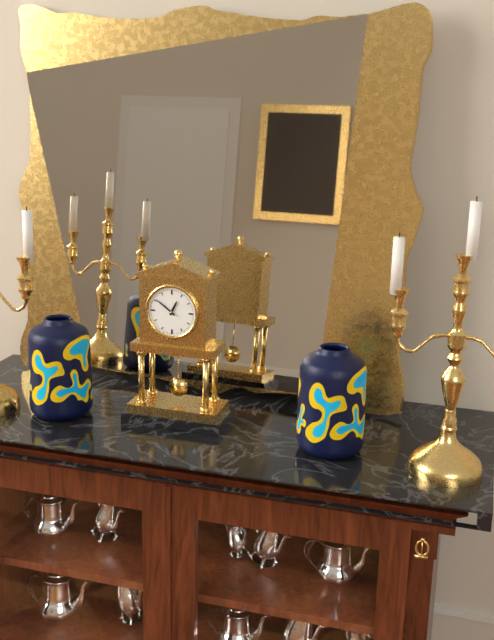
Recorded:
**12:51**
